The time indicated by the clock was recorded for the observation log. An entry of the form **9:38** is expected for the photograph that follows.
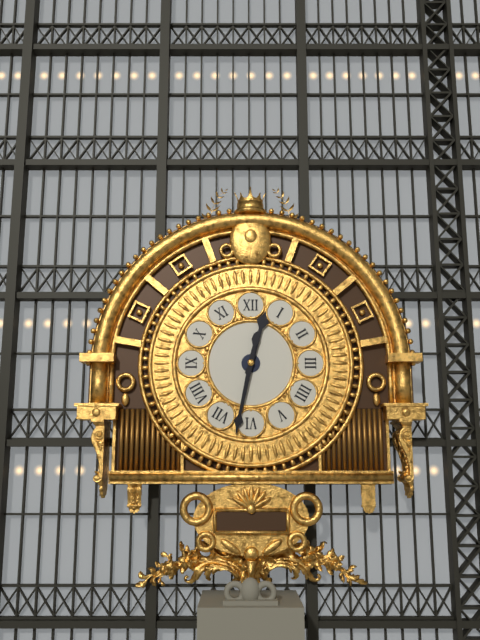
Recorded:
**12:32**
